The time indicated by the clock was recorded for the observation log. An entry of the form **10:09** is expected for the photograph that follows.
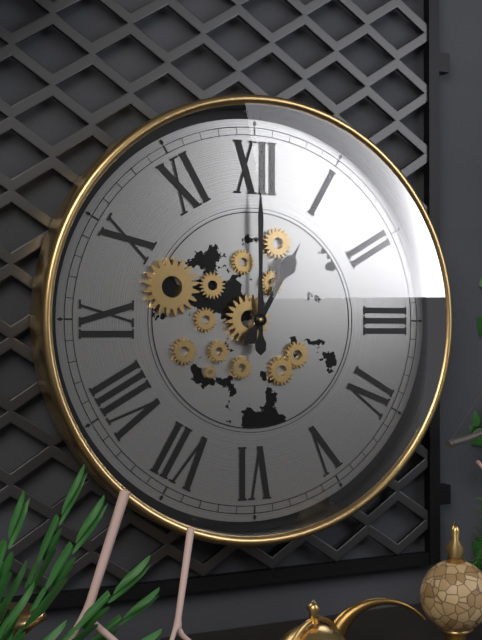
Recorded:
**1:00**
